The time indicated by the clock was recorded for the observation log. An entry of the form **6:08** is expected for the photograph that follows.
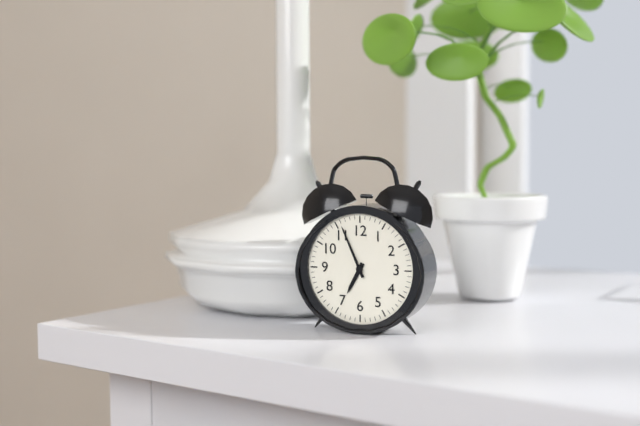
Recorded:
**6:56**
